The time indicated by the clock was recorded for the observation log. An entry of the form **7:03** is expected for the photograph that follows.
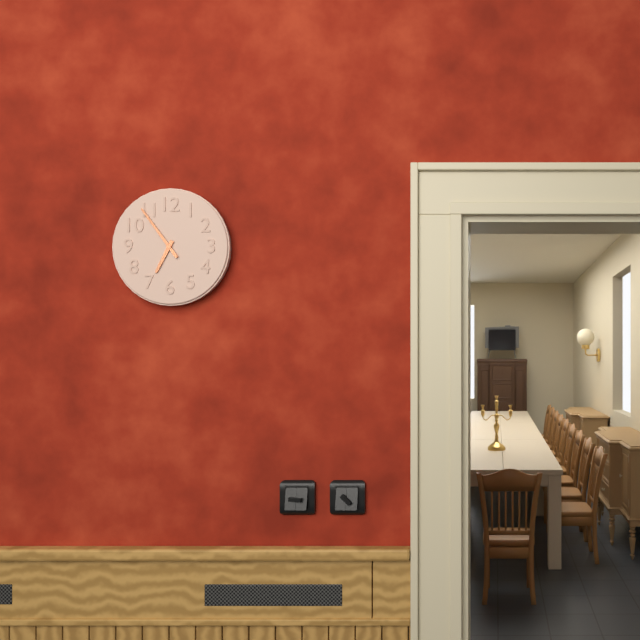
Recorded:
**6:54**
